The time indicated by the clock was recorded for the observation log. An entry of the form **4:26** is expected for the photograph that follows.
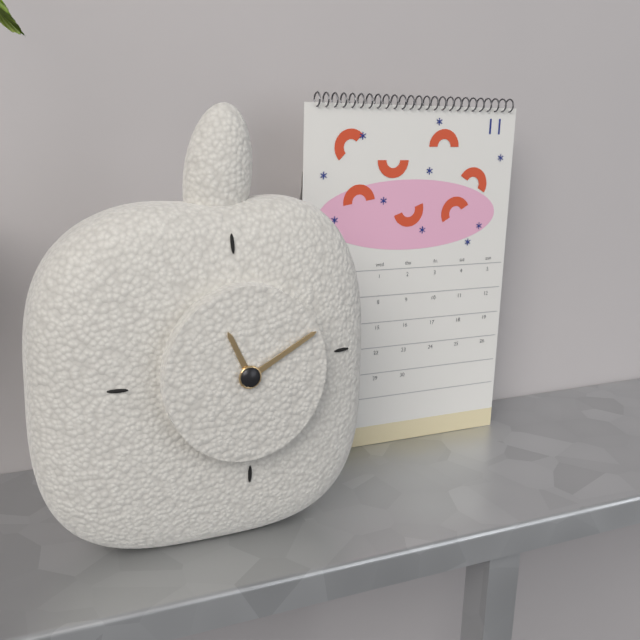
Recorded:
**11:10**
